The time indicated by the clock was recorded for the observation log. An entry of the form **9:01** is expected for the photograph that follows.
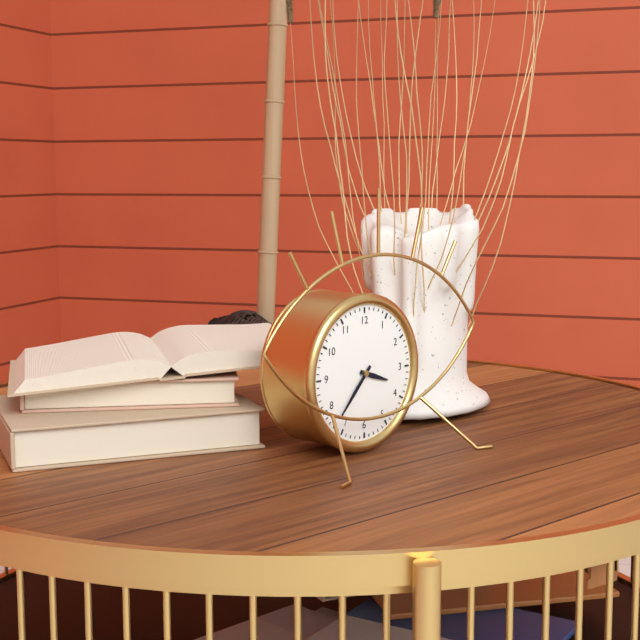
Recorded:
**3:37**
